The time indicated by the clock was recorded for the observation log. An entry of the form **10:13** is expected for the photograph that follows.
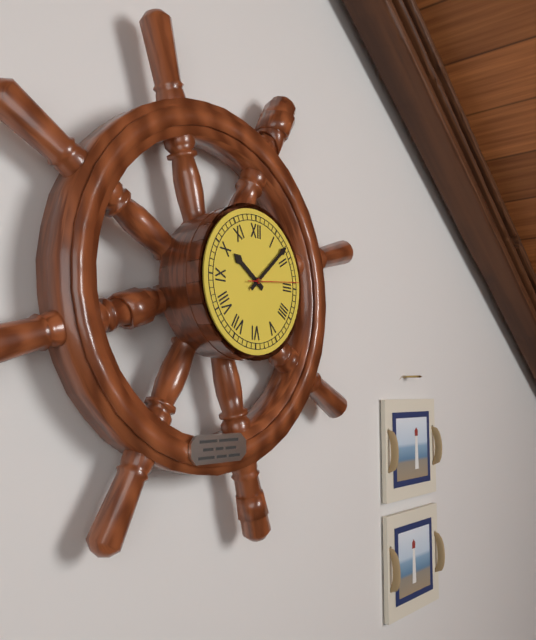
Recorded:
**10:08**
